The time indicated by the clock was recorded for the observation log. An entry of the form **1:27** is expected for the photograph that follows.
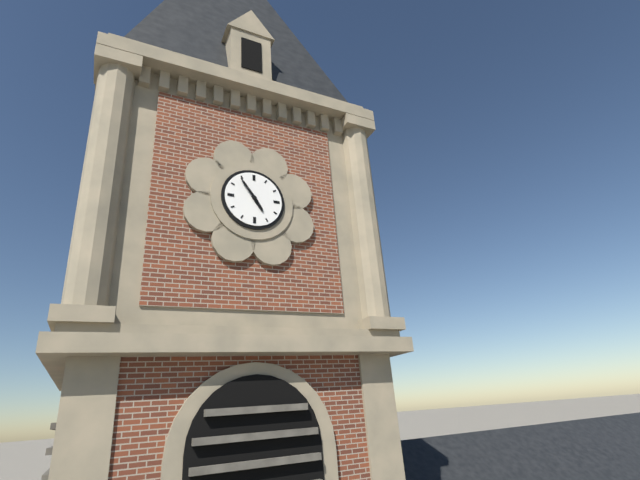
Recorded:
**4:54**
